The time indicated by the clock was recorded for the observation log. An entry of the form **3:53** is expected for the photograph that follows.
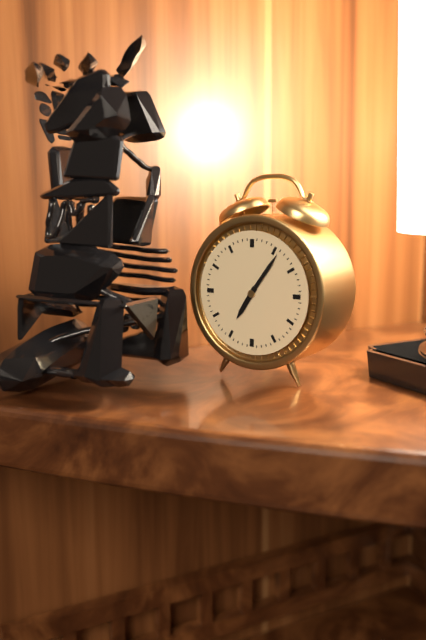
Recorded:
**7:06**
